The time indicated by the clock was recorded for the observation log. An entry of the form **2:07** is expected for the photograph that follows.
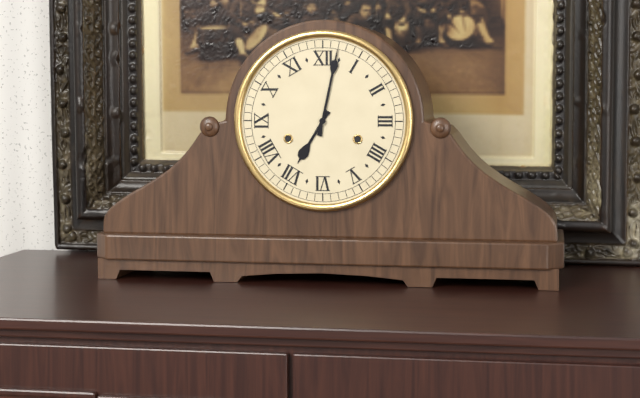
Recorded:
**7:02**
